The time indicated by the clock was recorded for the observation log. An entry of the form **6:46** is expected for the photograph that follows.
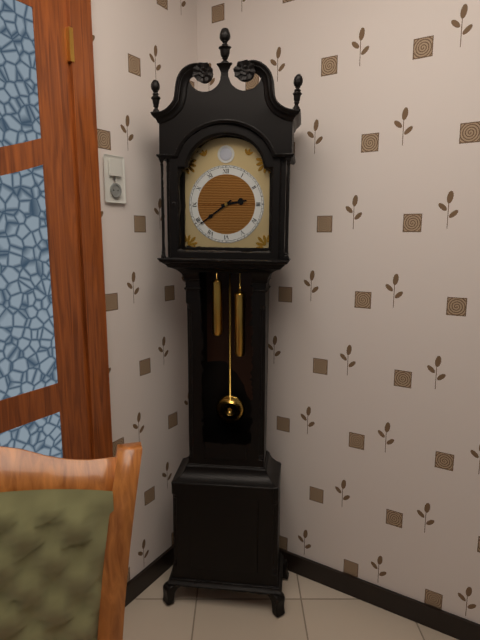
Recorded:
**2:39**
